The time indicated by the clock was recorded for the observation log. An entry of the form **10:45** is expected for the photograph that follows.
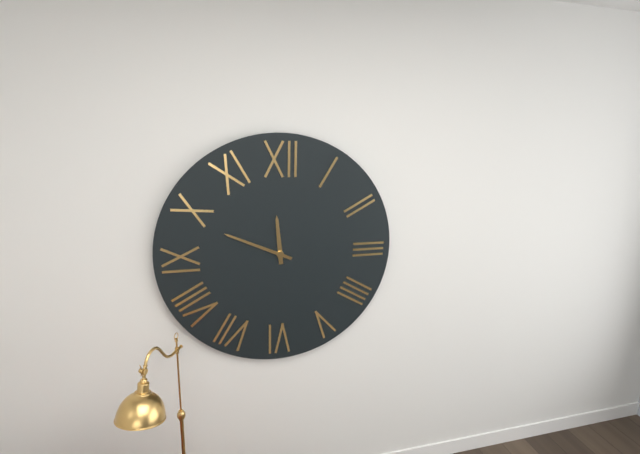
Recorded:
**11:49**
